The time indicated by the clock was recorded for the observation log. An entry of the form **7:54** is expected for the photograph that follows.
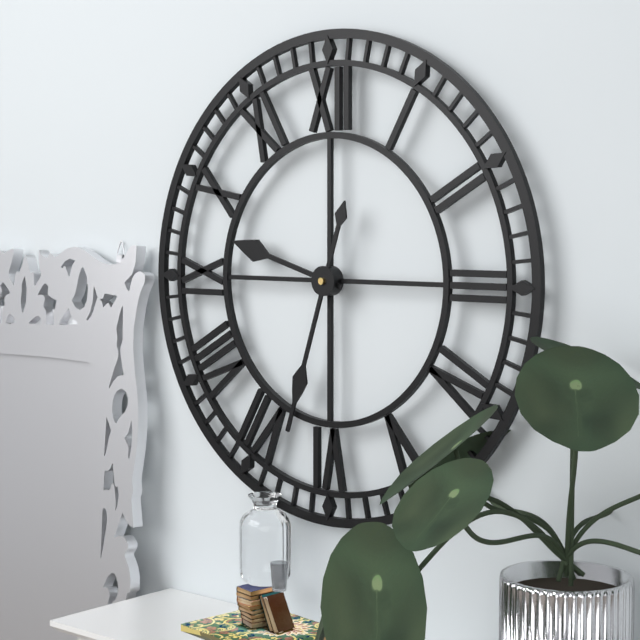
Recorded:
**9:33**
